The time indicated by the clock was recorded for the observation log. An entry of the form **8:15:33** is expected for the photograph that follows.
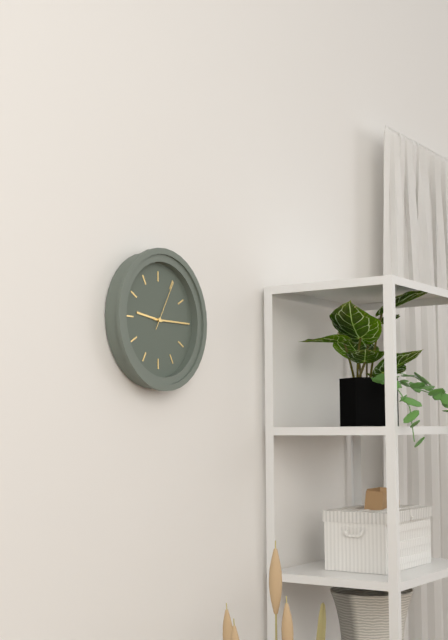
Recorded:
**9:15:05**
